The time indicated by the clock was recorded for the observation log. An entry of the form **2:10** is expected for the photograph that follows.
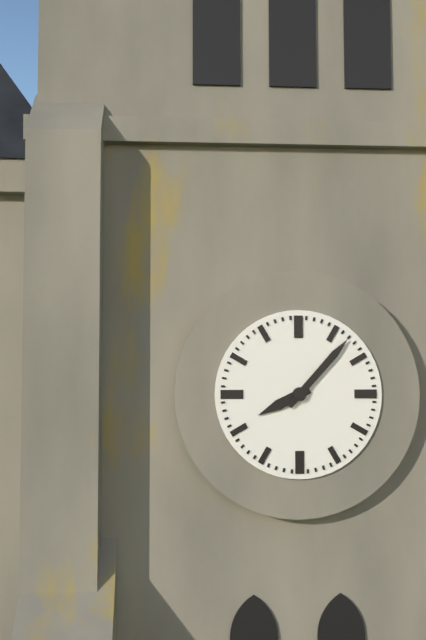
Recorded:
**8:07**
